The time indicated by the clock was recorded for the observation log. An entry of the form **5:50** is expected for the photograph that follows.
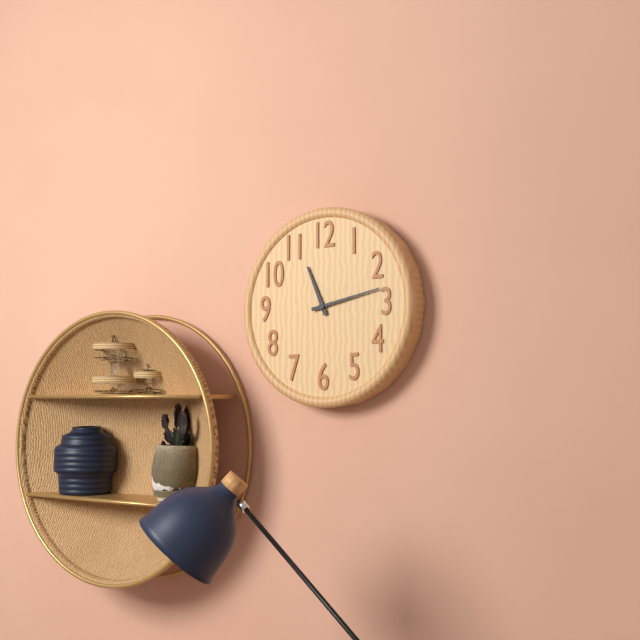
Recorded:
**11:13**
